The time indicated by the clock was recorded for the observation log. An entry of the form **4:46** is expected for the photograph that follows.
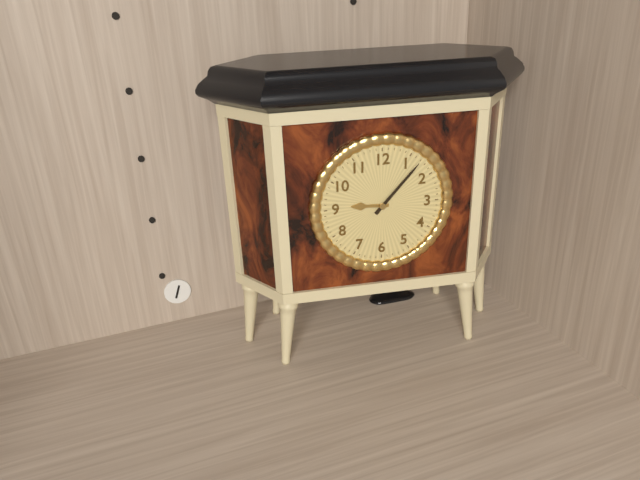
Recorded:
**9:07**
